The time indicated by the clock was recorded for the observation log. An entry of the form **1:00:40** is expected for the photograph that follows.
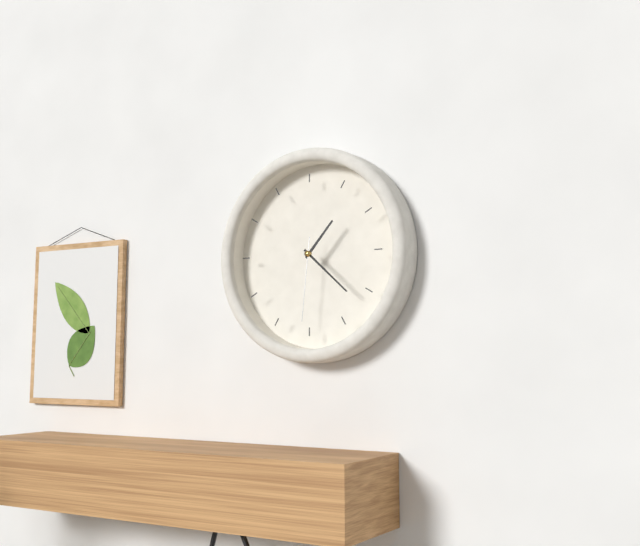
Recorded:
**1:22:31**
